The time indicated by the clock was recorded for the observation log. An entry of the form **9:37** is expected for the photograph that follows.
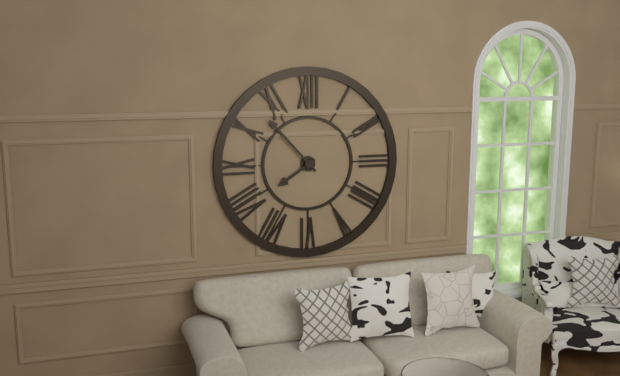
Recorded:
**7:53**
